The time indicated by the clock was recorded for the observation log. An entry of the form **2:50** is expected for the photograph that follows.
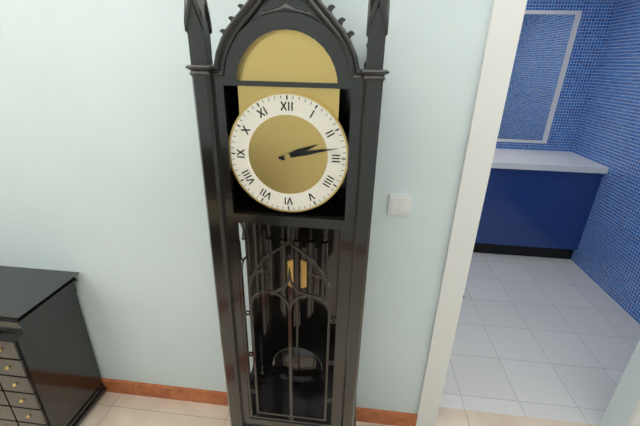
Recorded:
**2:13**
